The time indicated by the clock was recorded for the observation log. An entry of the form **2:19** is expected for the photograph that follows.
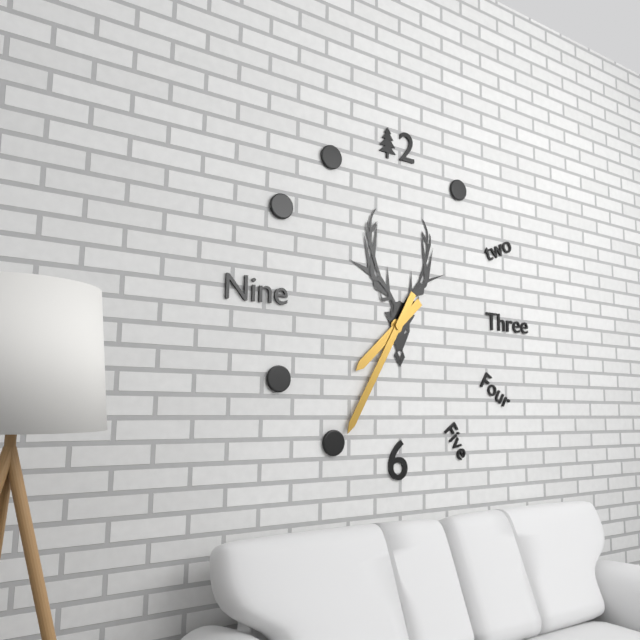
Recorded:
**7:35**
